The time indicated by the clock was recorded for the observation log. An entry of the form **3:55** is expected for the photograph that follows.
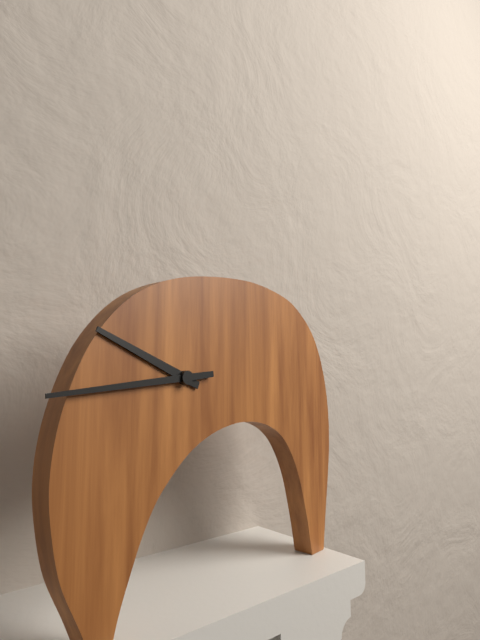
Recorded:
**9:44**
